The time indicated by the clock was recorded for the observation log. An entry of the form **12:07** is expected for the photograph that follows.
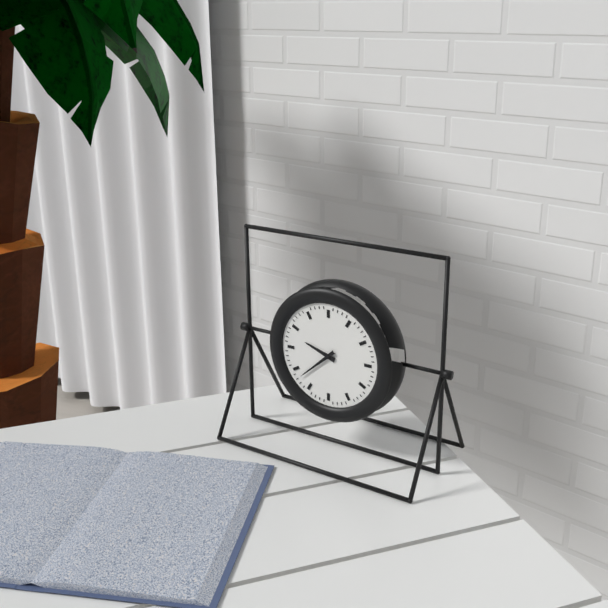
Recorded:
**9:38**
